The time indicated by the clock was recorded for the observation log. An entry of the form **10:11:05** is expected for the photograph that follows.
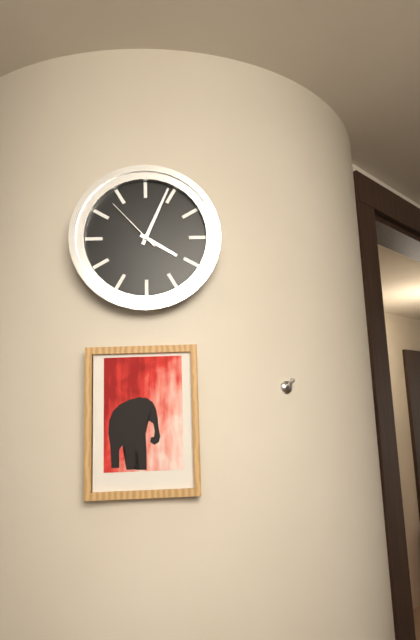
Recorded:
**4:04:53**
